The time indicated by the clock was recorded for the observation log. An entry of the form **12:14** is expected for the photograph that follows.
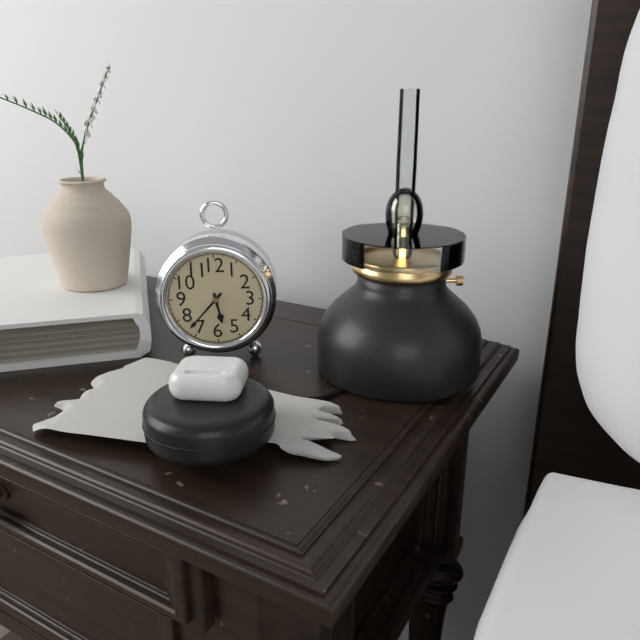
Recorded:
**5:37**
